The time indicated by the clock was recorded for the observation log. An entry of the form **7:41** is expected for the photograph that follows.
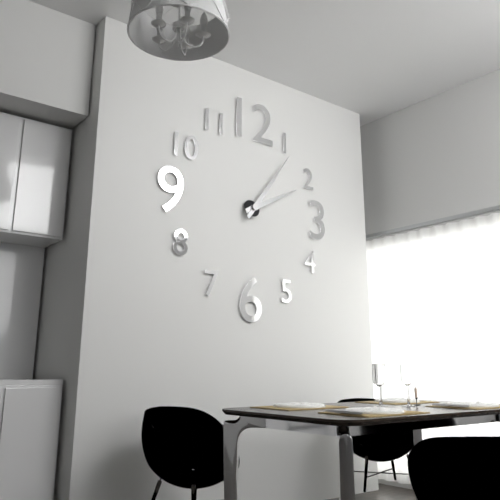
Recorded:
**2:06**
